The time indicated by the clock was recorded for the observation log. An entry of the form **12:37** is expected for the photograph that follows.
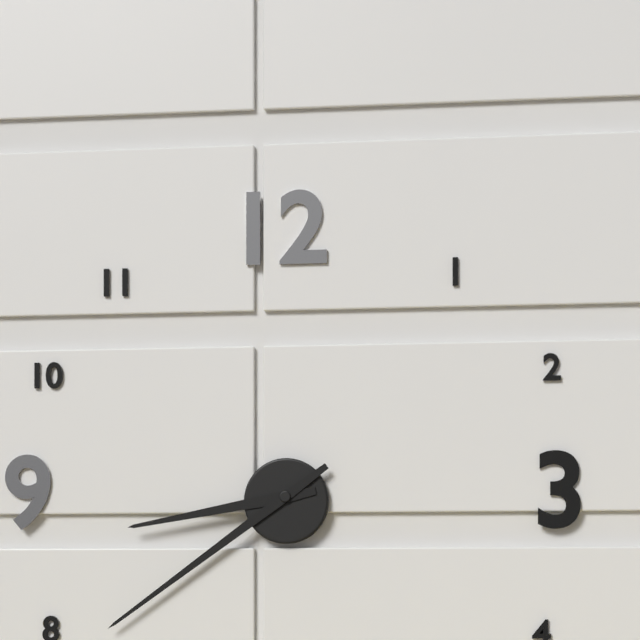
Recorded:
**8:39**
